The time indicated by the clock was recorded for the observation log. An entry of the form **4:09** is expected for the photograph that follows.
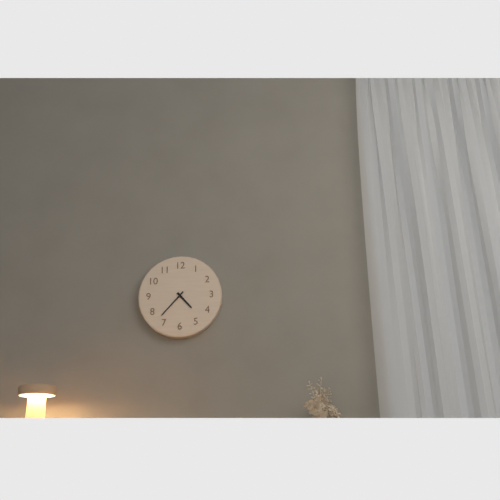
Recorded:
**4:37**
